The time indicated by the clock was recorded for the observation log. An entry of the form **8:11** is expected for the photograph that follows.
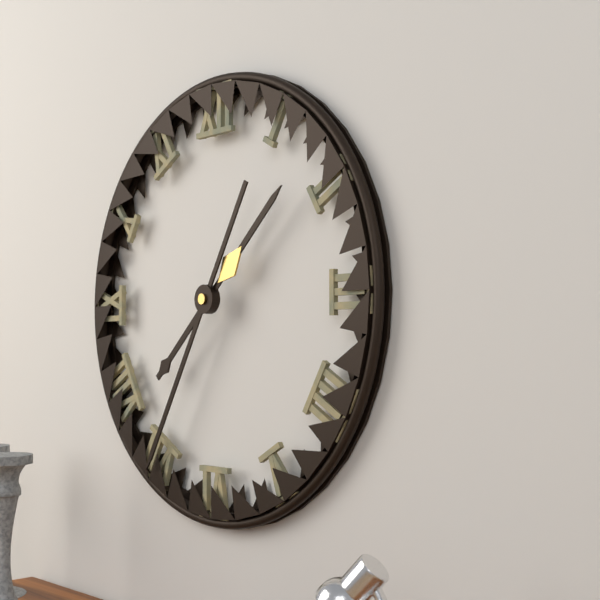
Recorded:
**1:35**
